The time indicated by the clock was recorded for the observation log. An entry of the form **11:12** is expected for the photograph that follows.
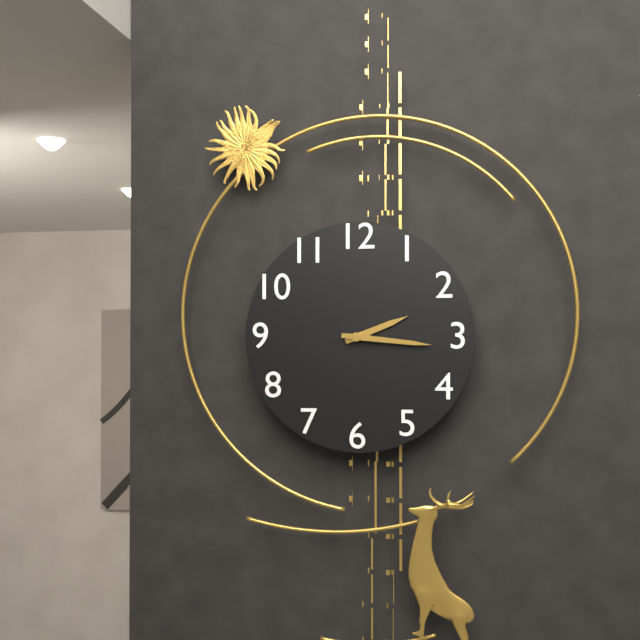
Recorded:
**2:16**
